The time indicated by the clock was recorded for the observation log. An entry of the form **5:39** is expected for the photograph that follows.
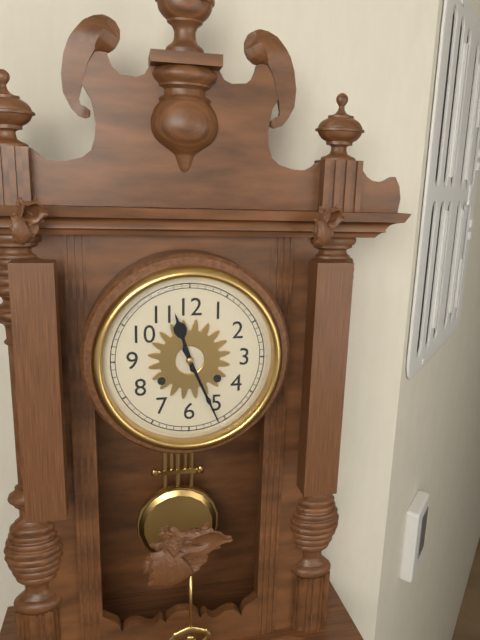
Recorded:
**11:26**
